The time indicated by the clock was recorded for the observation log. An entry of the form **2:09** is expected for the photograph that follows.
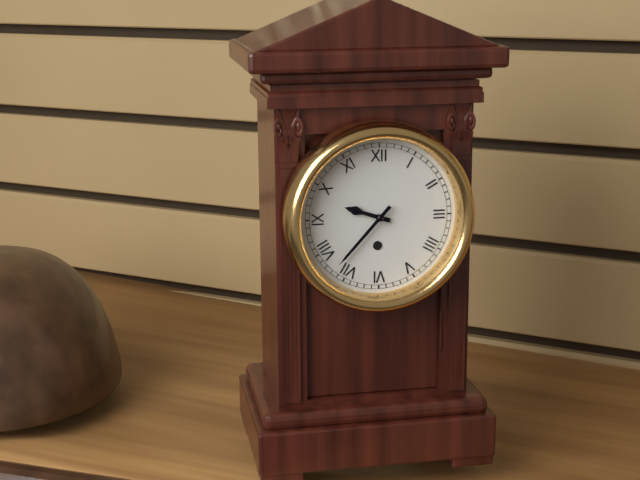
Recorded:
**9:37**
